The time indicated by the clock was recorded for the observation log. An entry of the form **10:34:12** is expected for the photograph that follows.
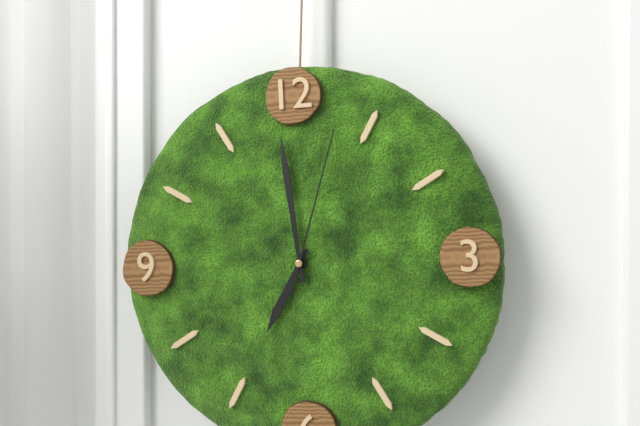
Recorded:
**6:59:03**
